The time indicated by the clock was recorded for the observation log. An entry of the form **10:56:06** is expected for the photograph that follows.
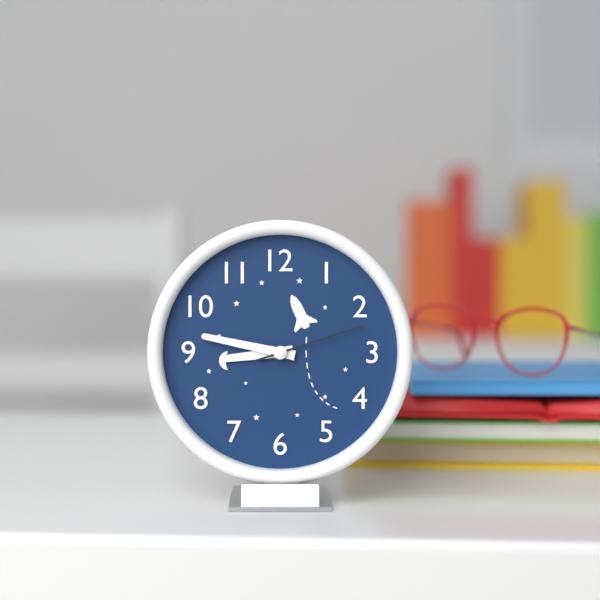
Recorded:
**8:47:12**
